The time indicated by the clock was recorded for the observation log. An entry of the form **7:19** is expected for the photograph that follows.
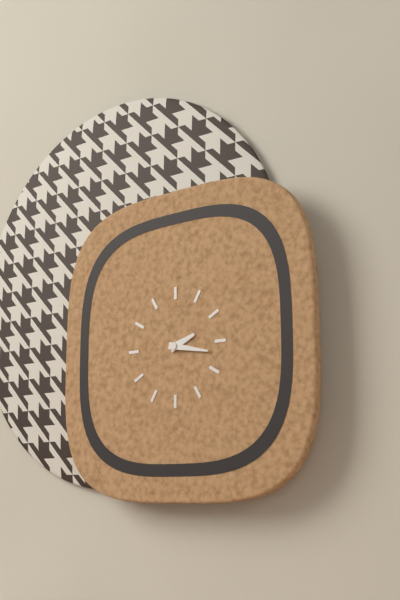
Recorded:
**2:17**
